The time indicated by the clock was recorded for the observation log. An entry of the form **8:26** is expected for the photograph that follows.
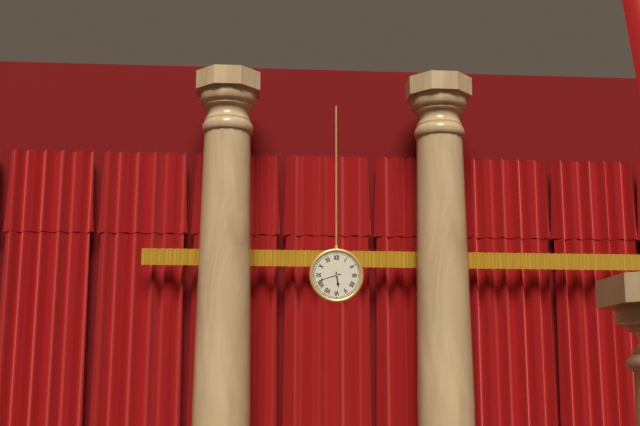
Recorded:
**5:42**
